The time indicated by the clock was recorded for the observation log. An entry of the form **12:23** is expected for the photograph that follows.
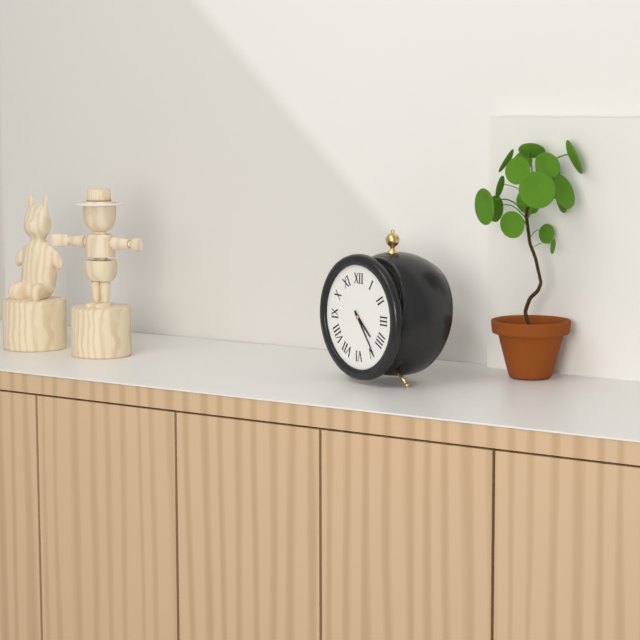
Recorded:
**4:24**
